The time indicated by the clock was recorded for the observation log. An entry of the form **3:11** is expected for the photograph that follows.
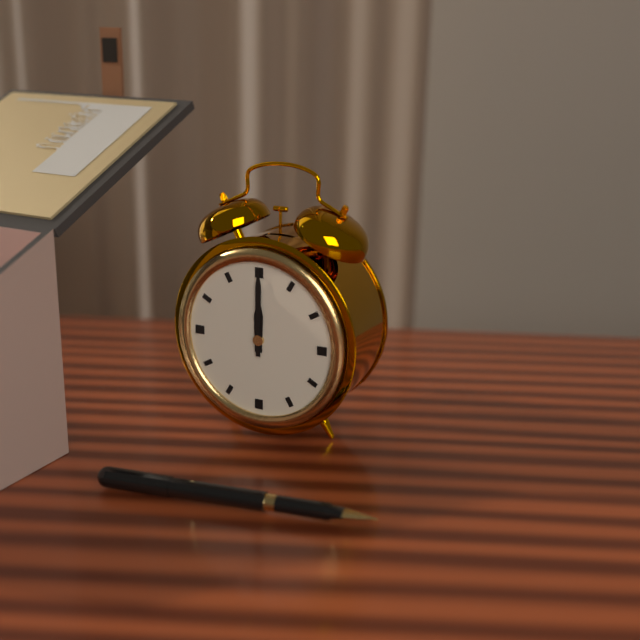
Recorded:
**12:00**
